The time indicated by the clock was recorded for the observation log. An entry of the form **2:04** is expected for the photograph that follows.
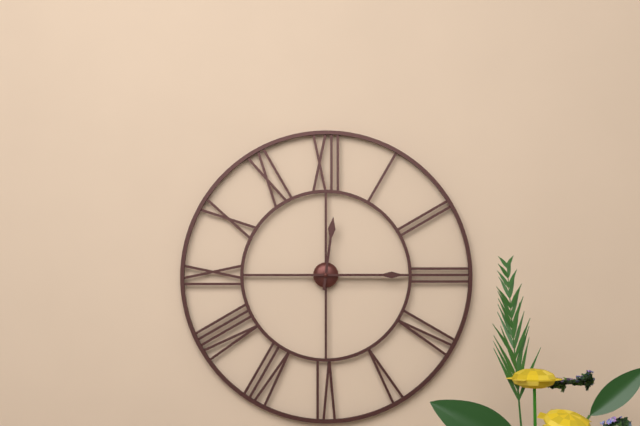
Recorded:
**12:15**
